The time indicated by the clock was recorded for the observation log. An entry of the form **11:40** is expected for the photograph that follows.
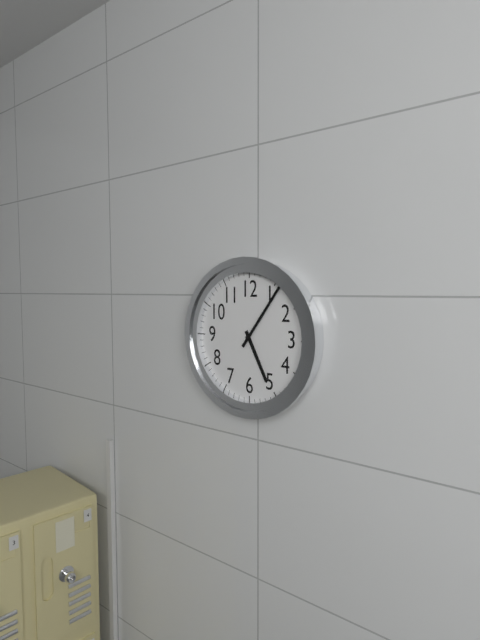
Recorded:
**5:06**
